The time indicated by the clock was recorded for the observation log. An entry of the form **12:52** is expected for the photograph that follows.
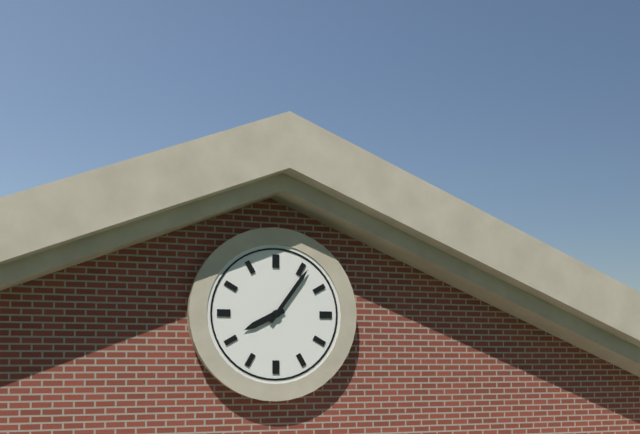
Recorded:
**8:06**
